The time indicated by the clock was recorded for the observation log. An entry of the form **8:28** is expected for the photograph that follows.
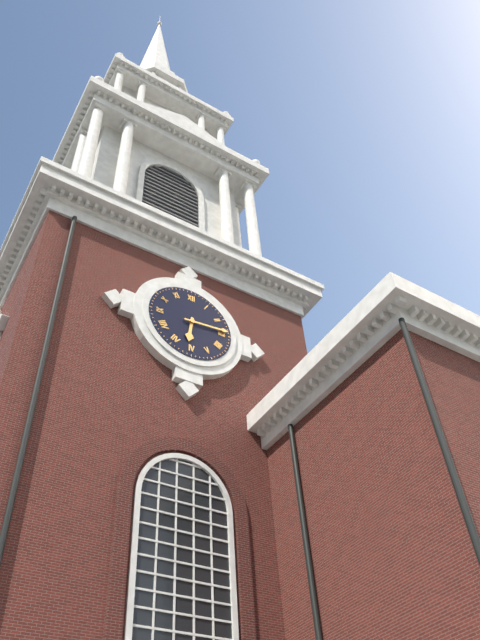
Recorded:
**6:14**
